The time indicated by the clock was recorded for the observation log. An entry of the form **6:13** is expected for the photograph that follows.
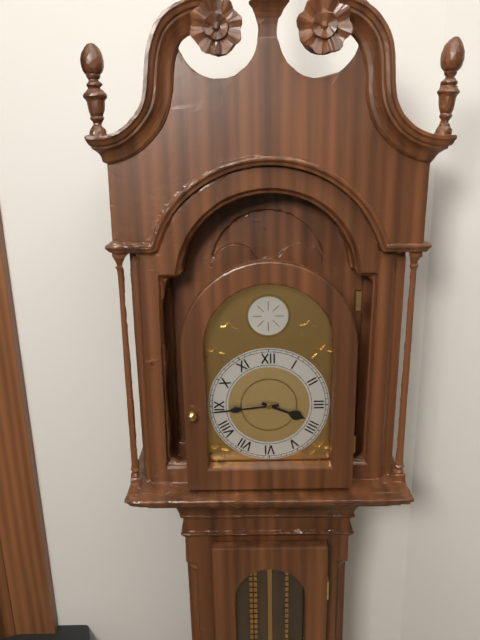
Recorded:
**3:44**
